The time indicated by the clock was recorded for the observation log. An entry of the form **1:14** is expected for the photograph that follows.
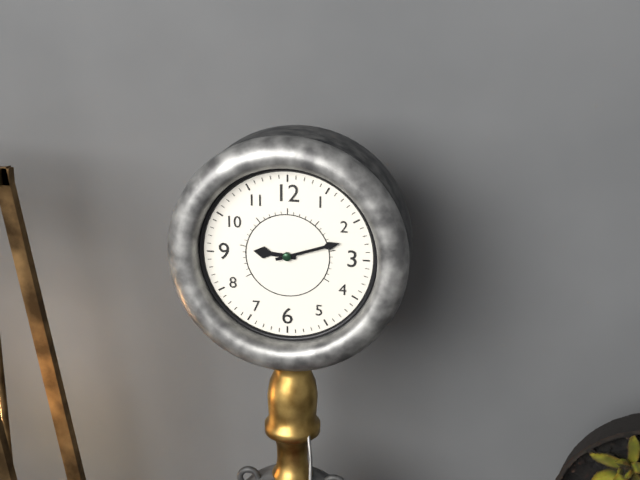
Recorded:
**9:12**
